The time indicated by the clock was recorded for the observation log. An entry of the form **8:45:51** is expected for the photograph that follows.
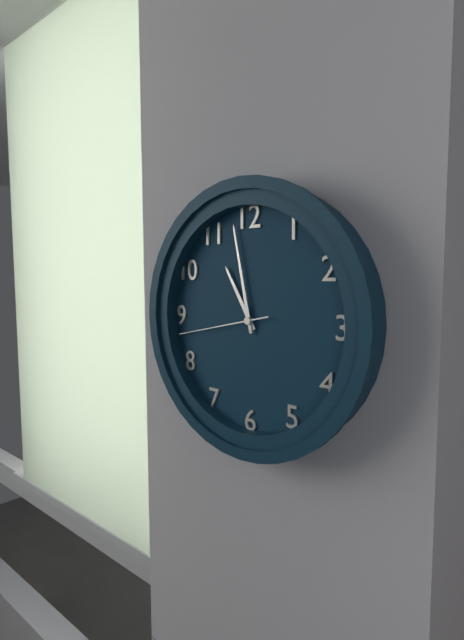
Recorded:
**10:58:43**
